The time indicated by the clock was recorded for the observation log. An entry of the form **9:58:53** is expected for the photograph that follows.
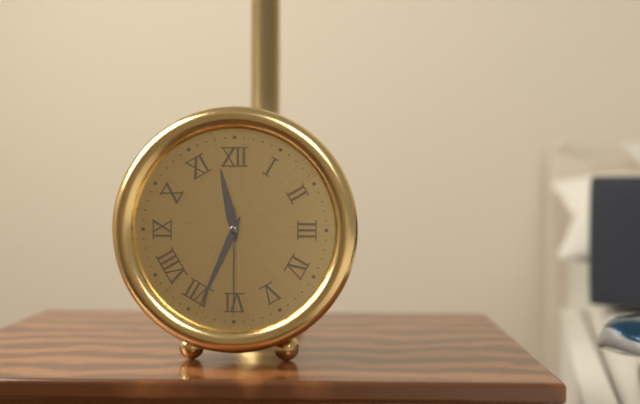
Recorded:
**11:34:30**
